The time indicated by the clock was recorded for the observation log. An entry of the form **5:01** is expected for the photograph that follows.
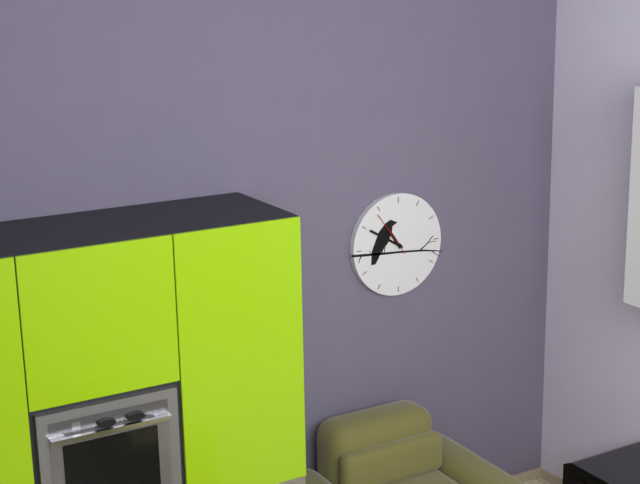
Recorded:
**10:50**
